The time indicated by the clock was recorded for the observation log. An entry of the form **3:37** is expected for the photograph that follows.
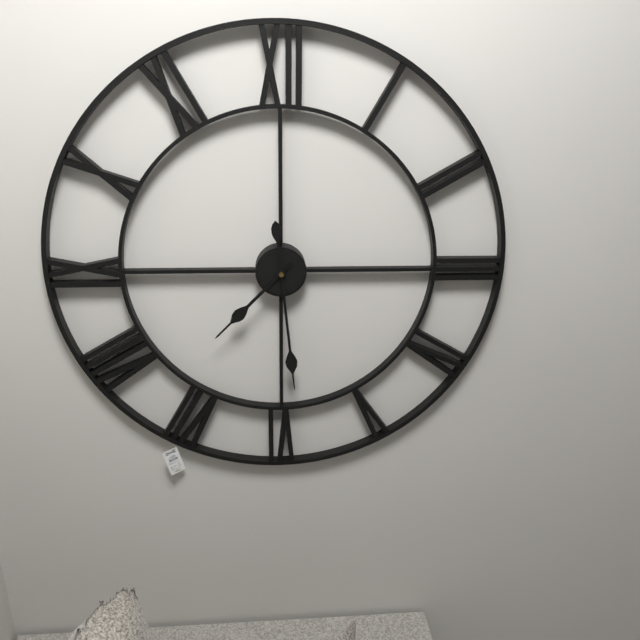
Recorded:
**7:29**
